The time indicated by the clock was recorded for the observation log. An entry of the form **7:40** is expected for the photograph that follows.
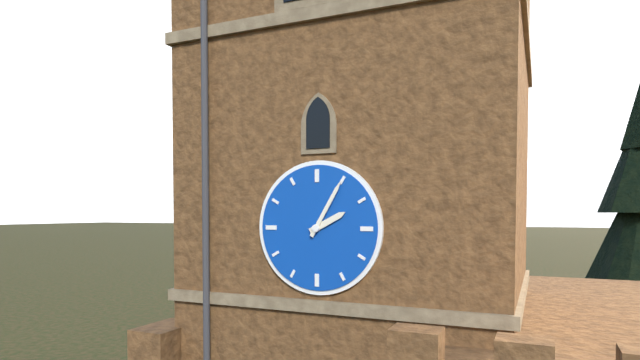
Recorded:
**2:05**
